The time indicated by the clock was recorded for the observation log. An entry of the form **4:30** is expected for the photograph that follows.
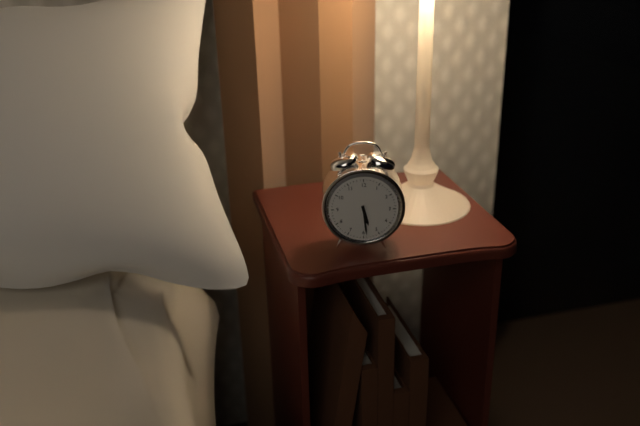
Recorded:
**5:29**
